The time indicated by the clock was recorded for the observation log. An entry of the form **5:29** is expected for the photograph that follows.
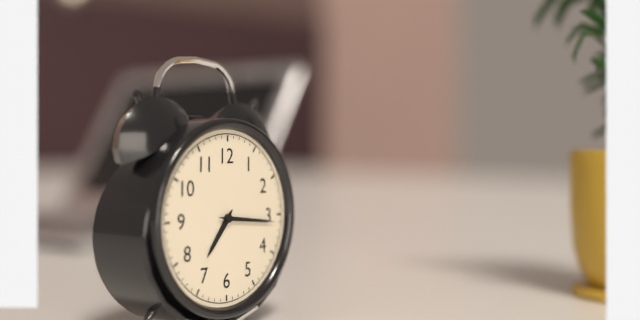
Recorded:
**7:16**
